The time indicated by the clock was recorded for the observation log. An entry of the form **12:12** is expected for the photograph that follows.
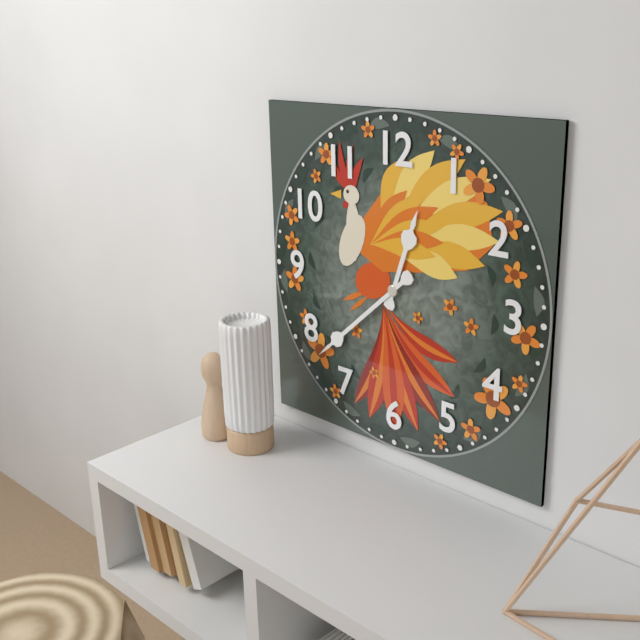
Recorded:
**12:38**
